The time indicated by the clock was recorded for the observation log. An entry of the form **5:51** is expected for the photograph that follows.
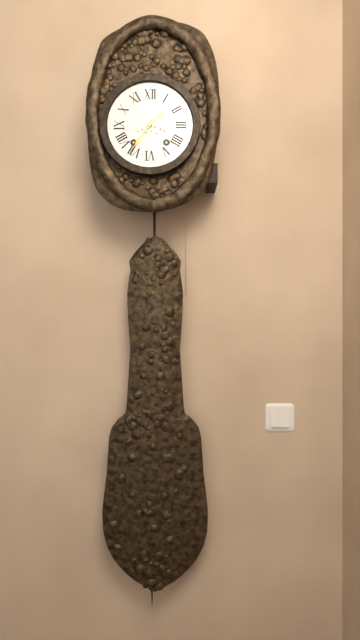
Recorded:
**1:36**
